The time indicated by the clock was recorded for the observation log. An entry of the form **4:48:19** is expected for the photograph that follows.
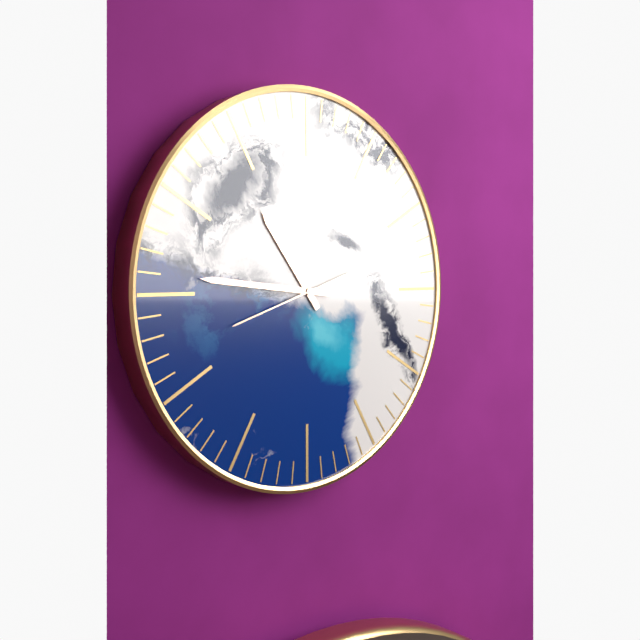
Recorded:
**10:46:42**
